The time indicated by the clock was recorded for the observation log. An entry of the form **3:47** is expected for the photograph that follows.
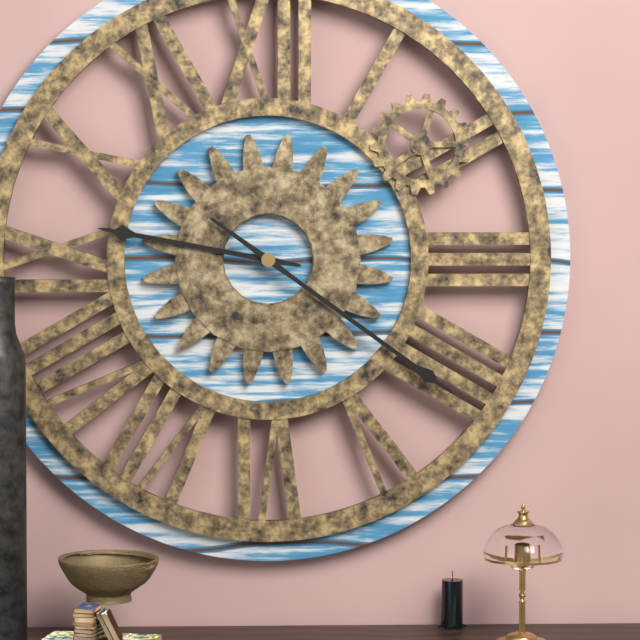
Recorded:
**9:21**
